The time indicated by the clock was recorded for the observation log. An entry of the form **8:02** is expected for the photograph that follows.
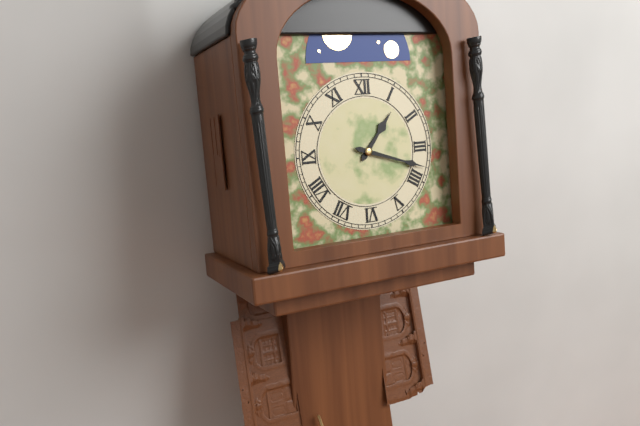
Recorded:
**1:18**
